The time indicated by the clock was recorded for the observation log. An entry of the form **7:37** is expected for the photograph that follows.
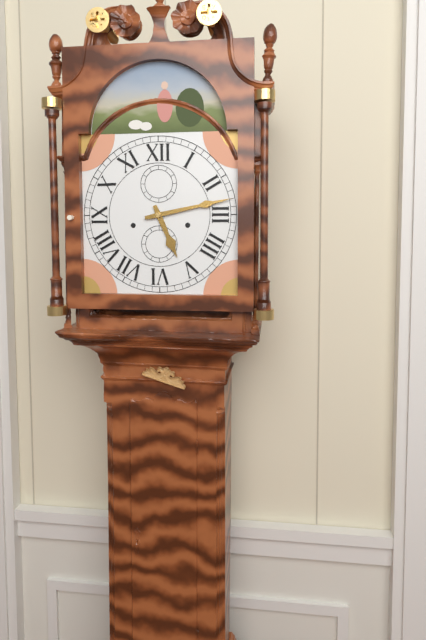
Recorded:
**5:13**
